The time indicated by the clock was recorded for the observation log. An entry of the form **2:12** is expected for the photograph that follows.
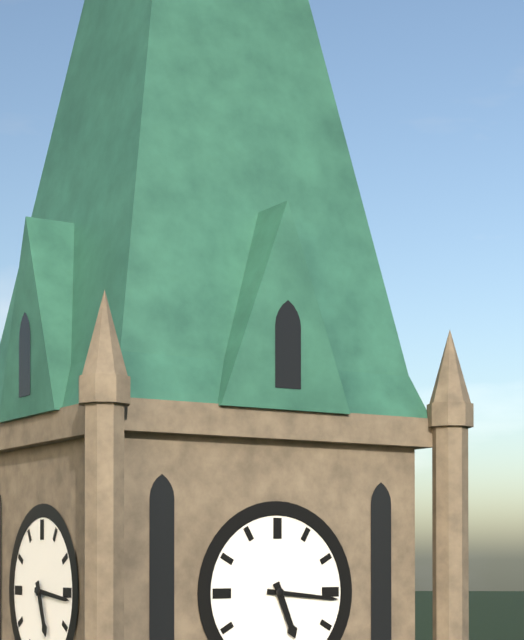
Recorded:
**5:16**
